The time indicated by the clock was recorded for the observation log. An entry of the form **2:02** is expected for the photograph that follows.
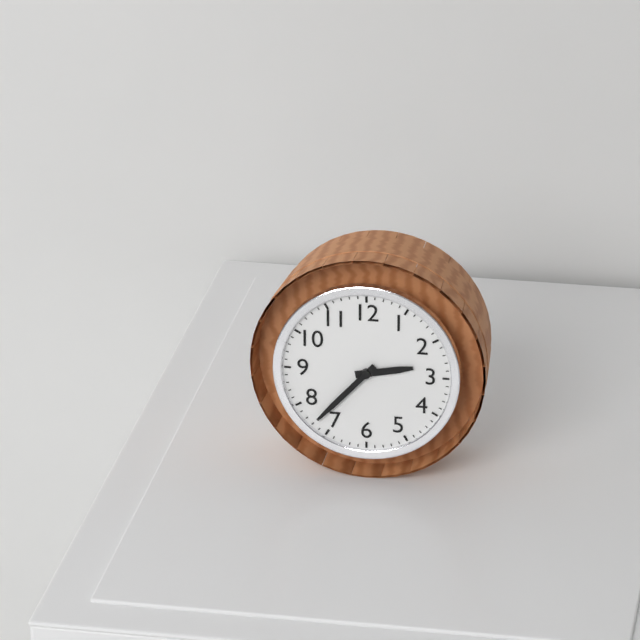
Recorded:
**2:37**
